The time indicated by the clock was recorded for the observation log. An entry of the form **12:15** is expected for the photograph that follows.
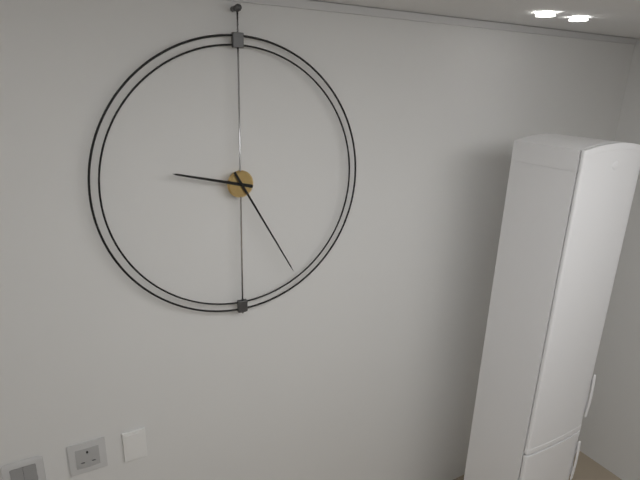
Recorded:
**9:25**
